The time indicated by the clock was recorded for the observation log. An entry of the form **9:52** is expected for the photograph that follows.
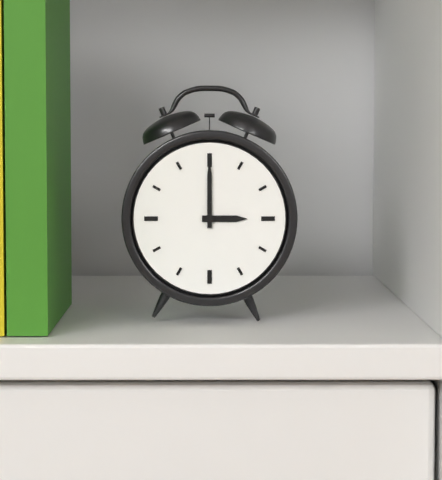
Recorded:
**3:00**
